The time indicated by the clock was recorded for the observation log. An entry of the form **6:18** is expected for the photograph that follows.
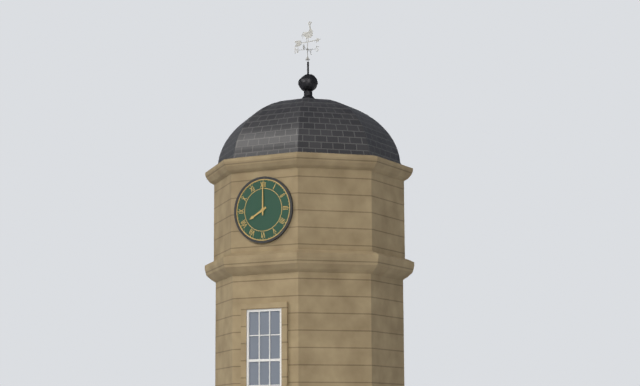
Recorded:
**8:00**
